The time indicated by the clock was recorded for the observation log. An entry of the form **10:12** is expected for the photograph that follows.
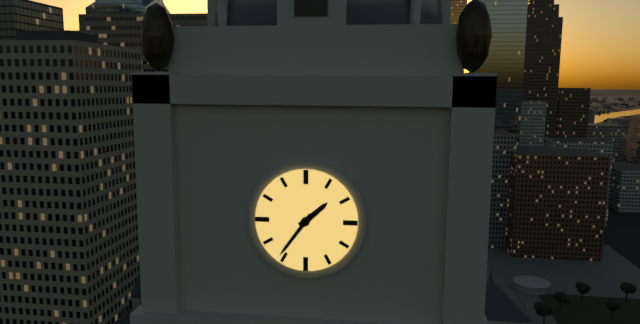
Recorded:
**1:36**
